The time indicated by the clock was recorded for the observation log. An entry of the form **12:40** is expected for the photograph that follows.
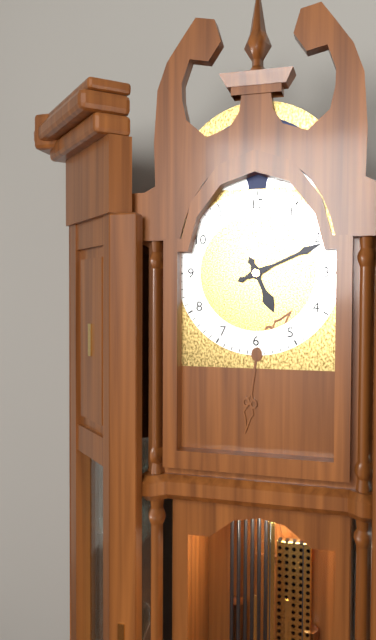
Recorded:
**5:11**
